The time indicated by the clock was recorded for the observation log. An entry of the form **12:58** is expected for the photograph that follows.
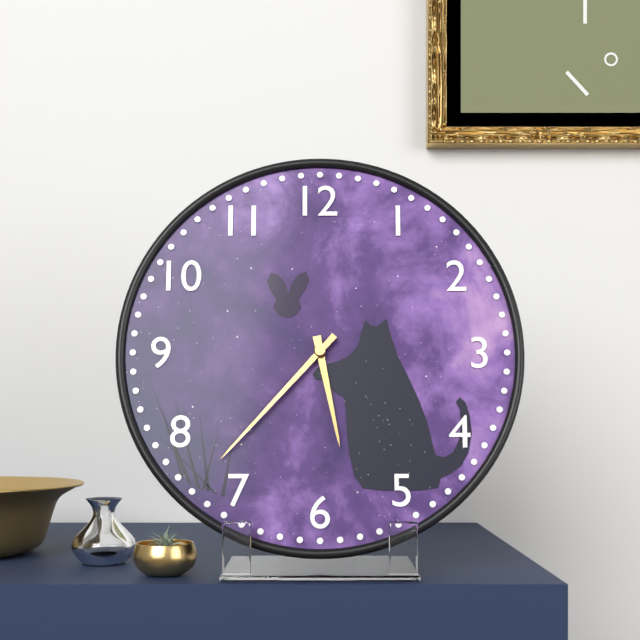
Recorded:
**5:37**
